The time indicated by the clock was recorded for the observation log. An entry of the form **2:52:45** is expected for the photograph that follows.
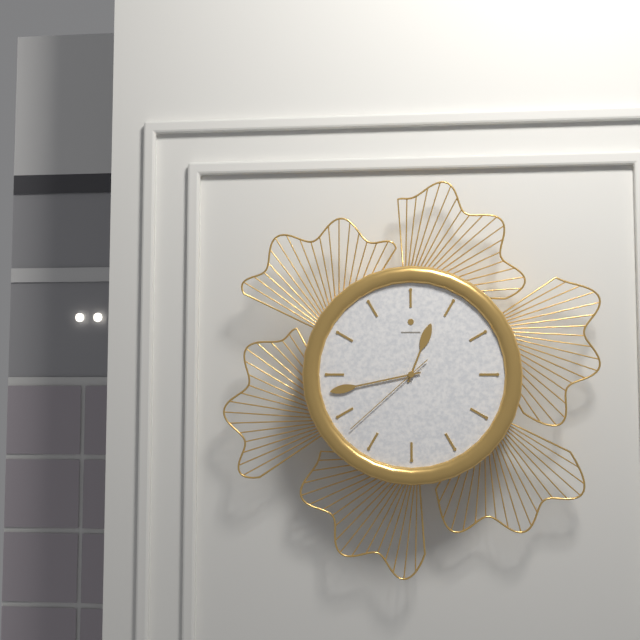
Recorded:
**12:43:38**
